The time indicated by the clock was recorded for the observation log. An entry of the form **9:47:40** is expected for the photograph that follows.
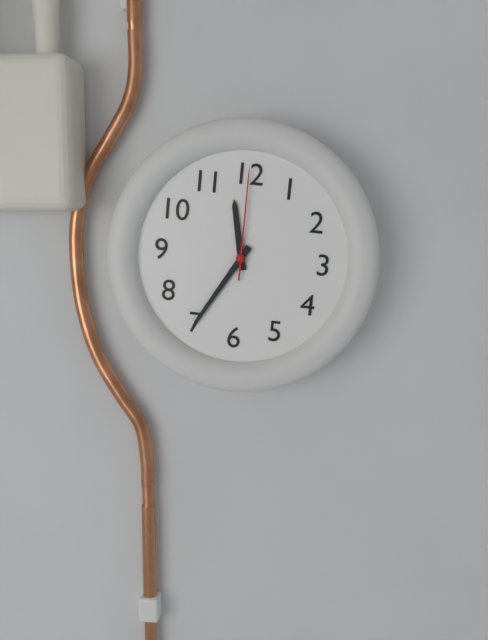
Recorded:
**11:35:00**
